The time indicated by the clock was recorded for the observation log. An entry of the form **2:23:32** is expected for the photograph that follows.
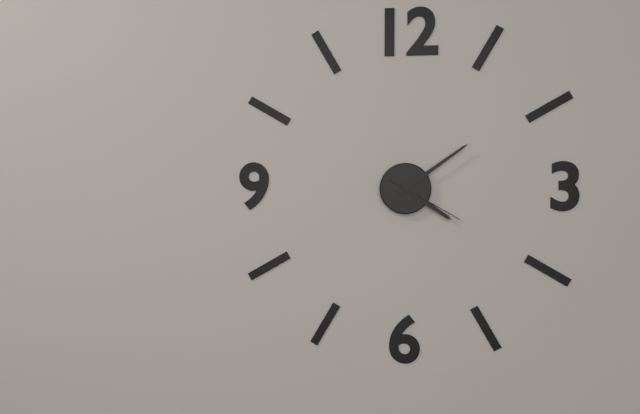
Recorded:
**4:09:20**
